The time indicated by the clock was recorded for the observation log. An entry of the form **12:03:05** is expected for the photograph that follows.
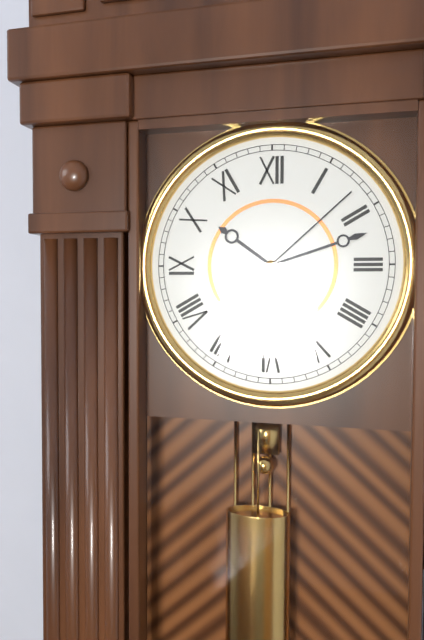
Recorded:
**10:12:08**
